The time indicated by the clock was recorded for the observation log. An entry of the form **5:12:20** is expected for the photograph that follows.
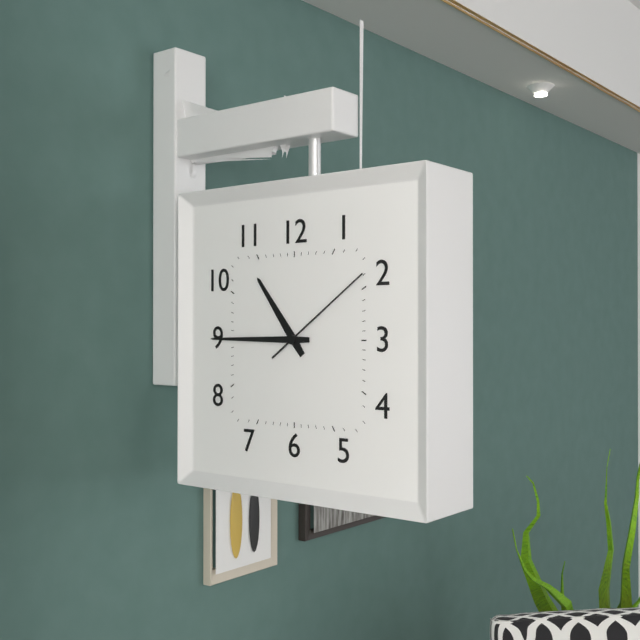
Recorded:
**10:45:09**
